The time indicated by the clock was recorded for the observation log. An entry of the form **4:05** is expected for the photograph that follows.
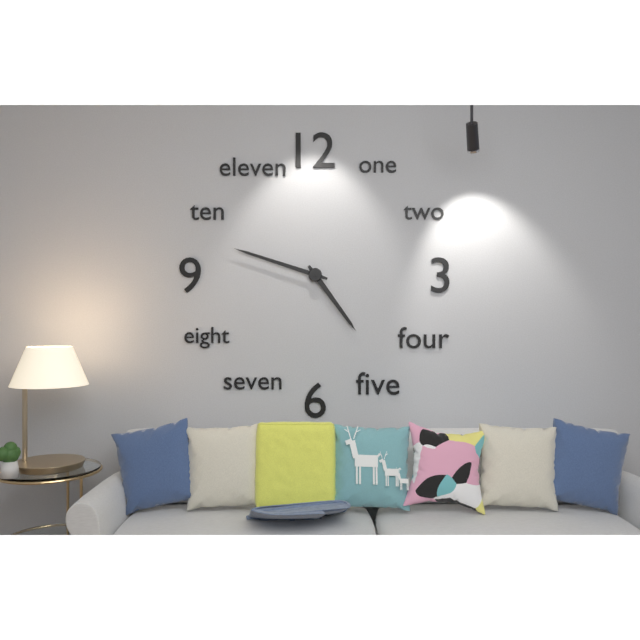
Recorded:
**4:48**
